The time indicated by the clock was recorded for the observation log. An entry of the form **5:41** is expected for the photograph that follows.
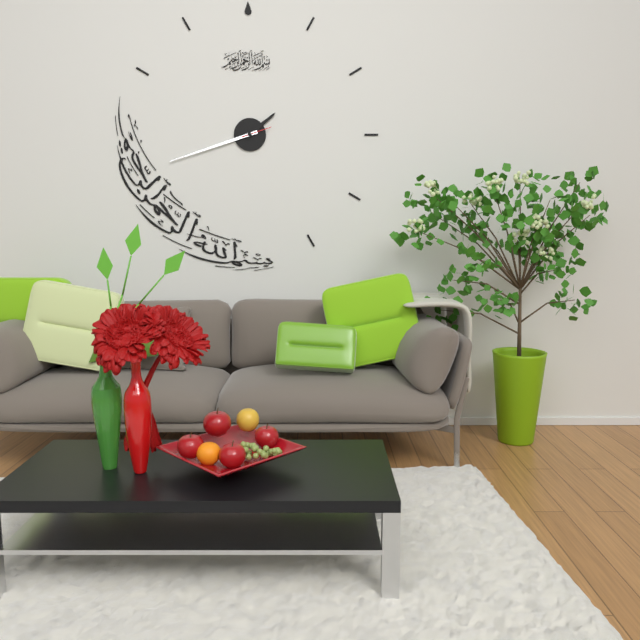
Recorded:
**1:42**
